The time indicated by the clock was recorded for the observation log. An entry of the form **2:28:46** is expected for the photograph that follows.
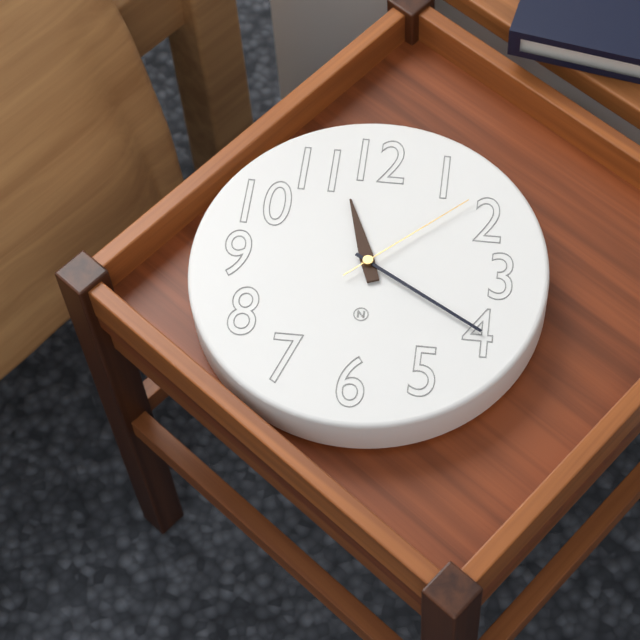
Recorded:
**11:20:08**
